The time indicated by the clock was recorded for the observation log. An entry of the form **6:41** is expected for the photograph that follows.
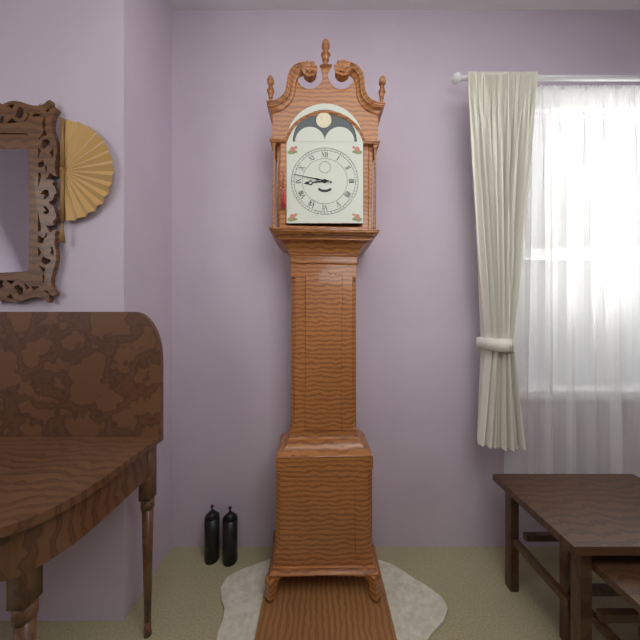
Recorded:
**8:47**
